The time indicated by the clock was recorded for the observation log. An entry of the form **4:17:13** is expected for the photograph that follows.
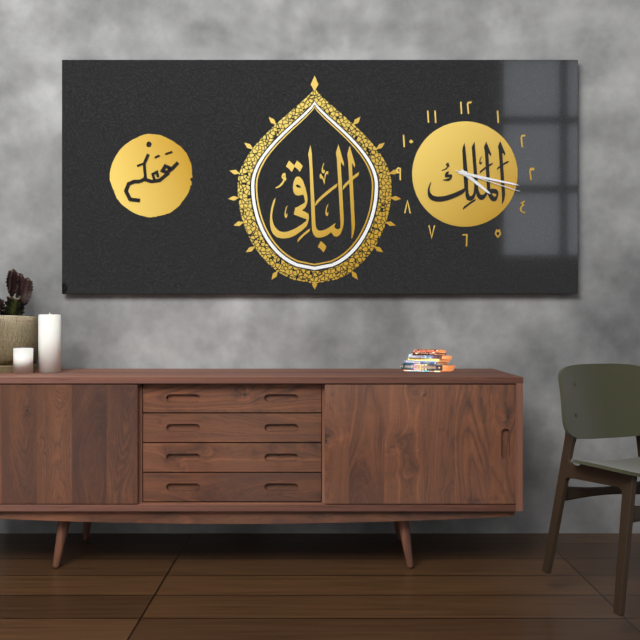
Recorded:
**4:17:18**
